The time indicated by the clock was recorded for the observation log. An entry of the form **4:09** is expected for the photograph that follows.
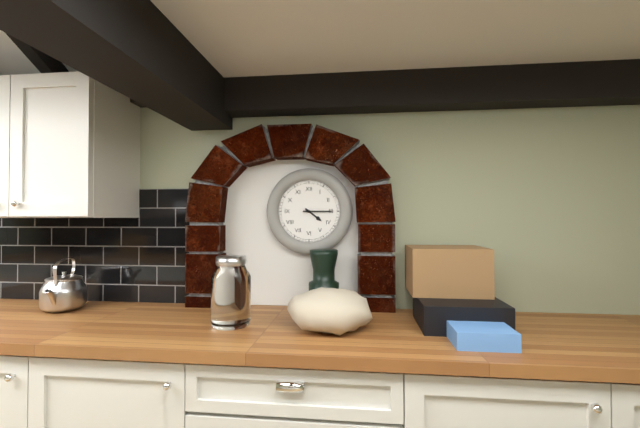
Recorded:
**4:15**
